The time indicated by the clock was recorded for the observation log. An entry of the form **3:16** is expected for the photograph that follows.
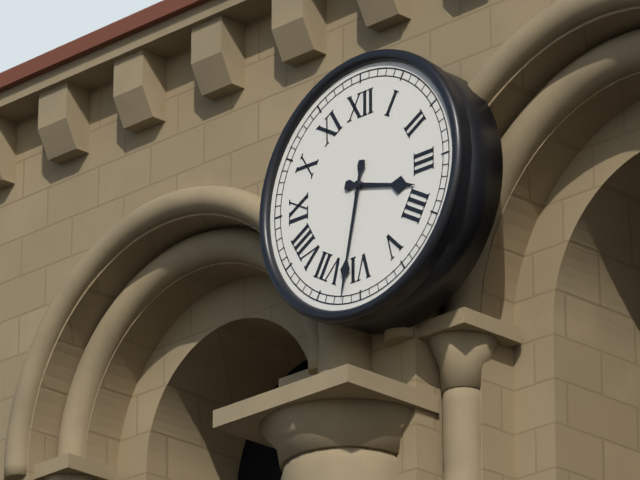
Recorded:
**3:32**
